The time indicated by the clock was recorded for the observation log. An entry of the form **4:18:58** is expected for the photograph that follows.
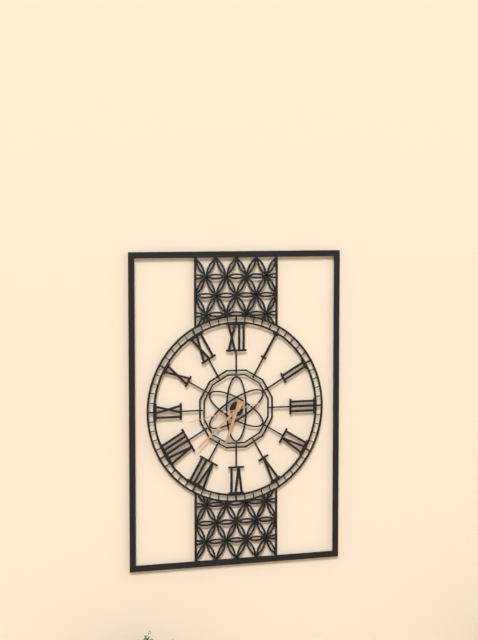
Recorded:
**6:38:43**
